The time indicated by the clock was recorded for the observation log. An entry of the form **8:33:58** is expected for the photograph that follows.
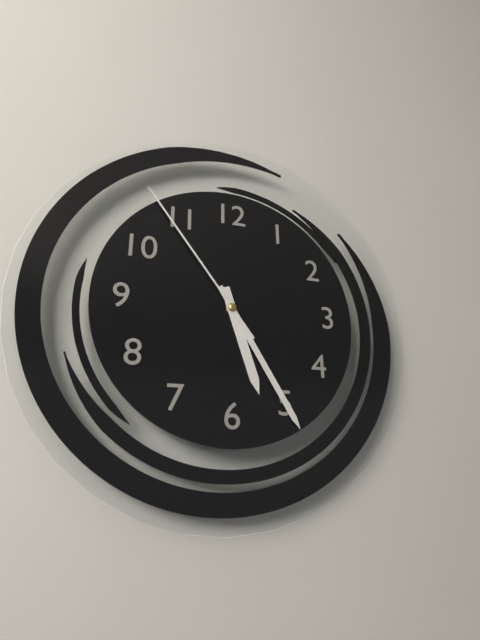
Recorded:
**5:25:54**
